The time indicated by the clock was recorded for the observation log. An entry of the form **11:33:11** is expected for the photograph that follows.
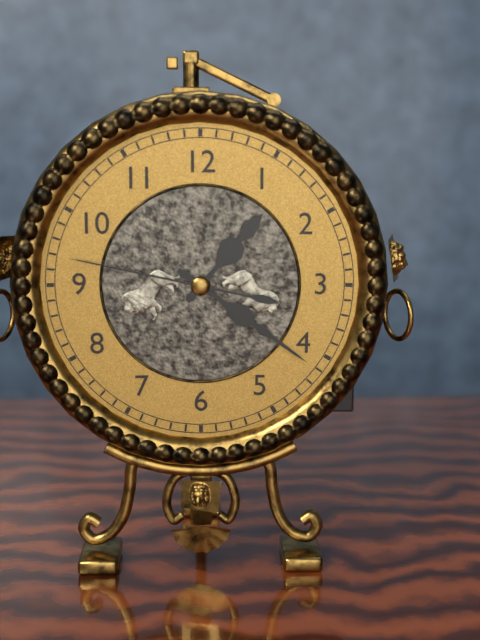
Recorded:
**1:21:47**
